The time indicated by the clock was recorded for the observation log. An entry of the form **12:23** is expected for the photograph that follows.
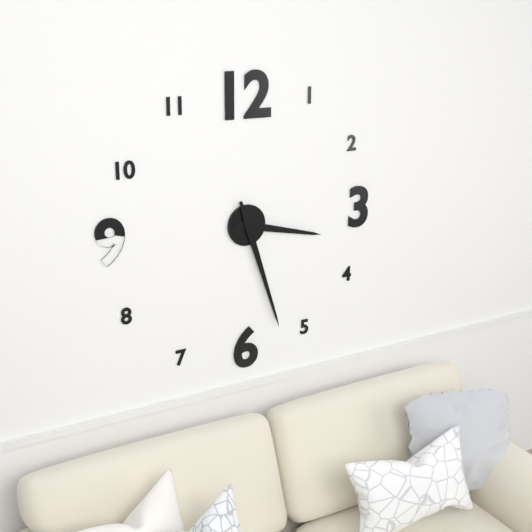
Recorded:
**3:27**
